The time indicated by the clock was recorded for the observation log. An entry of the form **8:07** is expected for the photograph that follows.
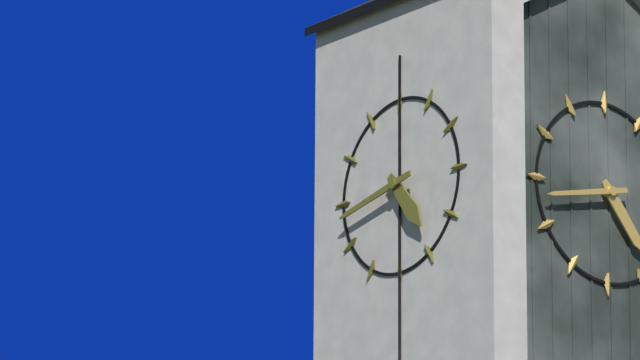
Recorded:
**4:43**
